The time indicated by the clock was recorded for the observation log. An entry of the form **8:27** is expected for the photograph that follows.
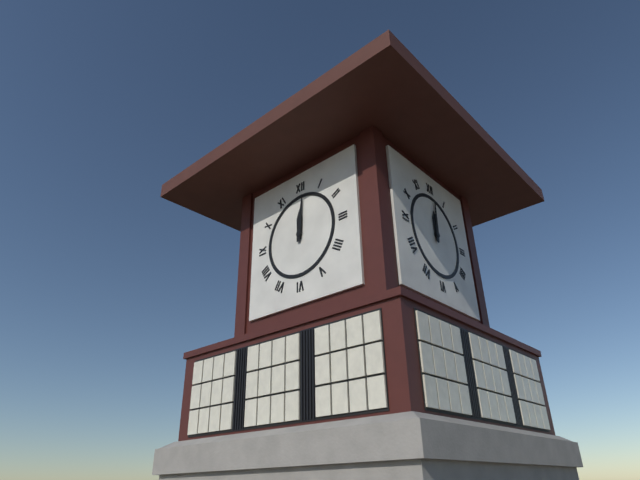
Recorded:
**12:01**
